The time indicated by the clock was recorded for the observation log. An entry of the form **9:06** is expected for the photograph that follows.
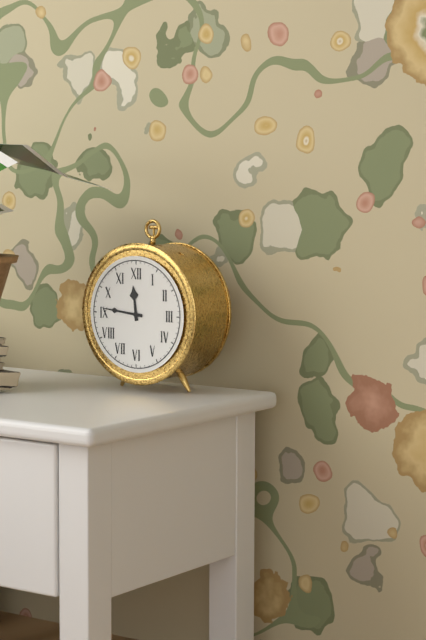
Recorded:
**11:46**
